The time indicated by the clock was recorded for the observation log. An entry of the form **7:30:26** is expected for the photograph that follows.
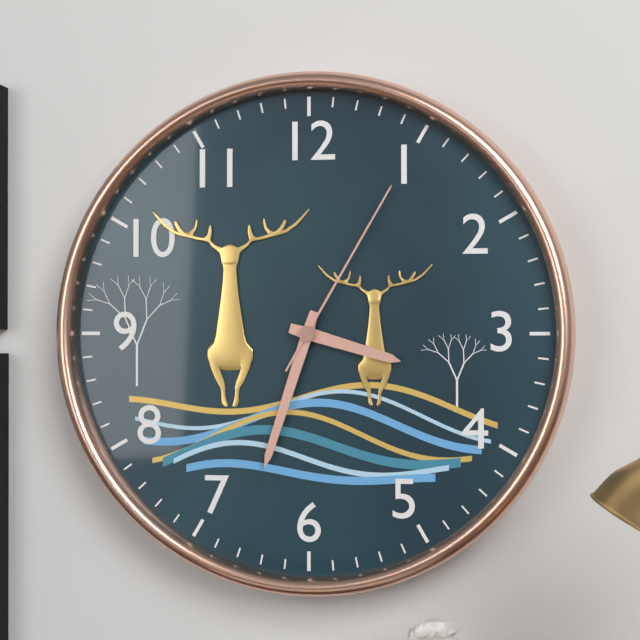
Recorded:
**3:33:05**
